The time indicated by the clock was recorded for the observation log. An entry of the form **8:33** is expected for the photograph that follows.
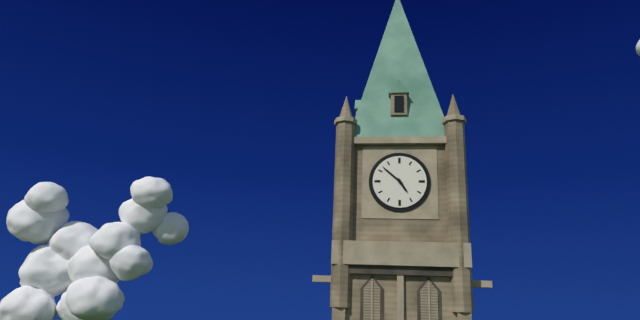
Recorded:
**4:52**
